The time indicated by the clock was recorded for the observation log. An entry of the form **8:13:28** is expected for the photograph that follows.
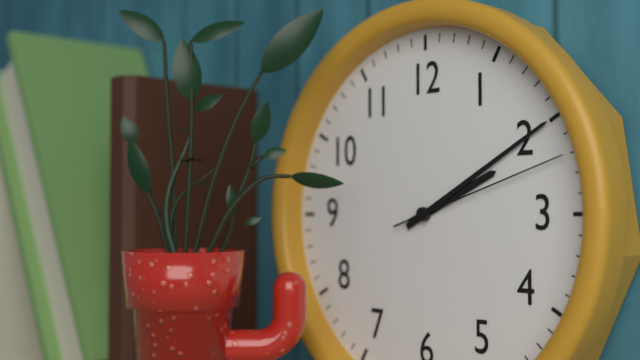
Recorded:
**2:10:12**
